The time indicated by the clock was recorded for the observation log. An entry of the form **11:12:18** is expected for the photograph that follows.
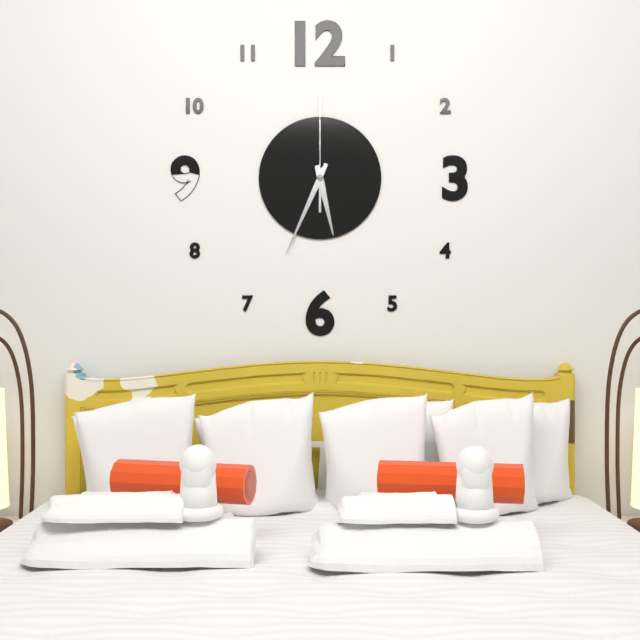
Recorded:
**5:34:00**
